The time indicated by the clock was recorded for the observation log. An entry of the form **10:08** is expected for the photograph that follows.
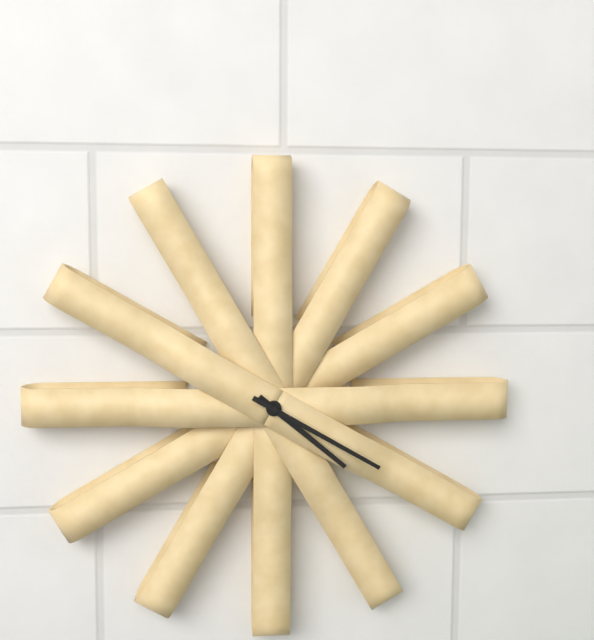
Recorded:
**4:20**
